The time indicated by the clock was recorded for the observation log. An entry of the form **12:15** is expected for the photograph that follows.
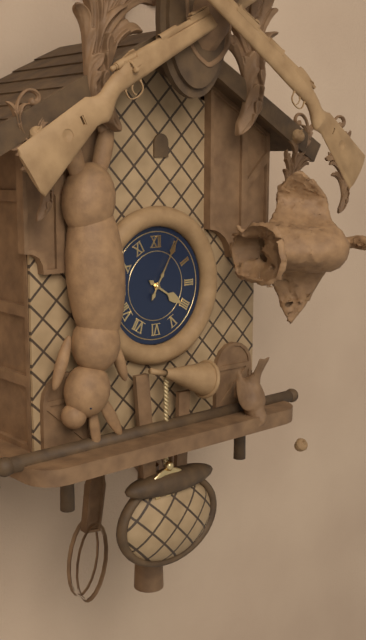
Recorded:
**4:05**
